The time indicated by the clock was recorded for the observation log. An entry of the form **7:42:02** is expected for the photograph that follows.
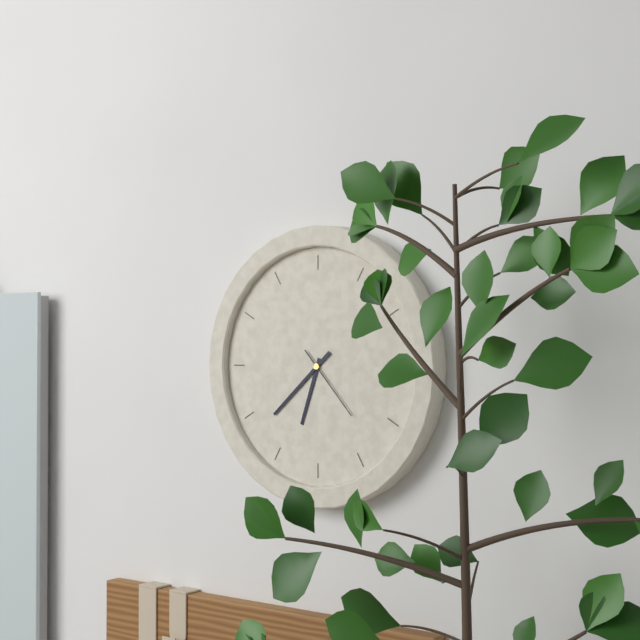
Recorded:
**6:38:23**
